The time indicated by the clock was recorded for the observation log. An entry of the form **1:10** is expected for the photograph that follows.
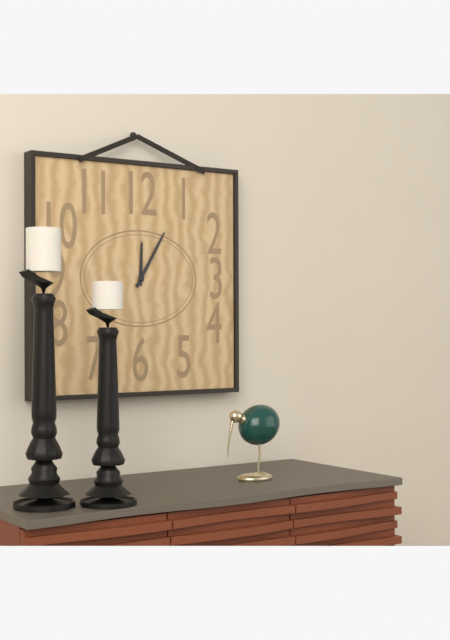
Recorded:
**12:05**
